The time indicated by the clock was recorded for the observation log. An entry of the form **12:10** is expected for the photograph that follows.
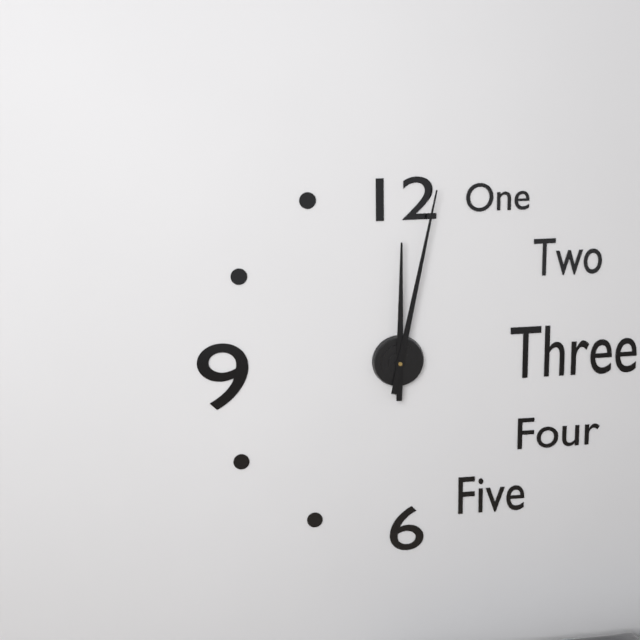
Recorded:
**12:02**
